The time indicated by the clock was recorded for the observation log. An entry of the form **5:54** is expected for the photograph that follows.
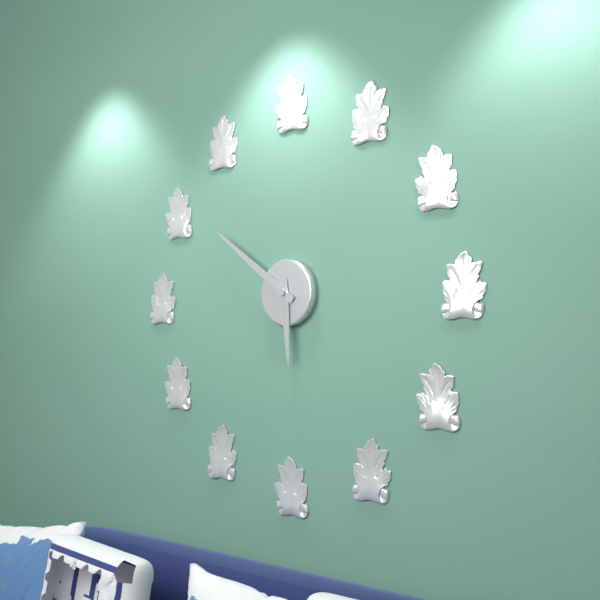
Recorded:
**5:51**
